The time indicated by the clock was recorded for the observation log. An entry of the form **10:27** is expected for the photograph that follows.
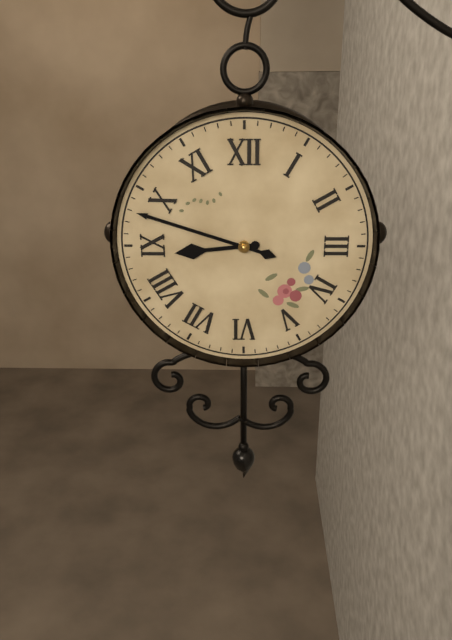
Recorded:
**8:48**
